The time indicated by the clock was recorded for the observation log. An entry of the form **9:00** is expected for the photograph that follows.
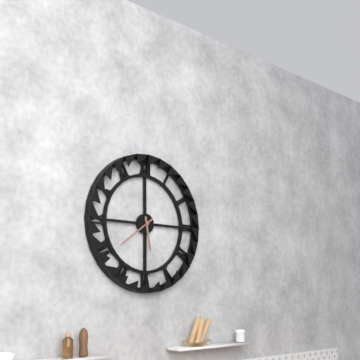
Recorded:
**5:39**
